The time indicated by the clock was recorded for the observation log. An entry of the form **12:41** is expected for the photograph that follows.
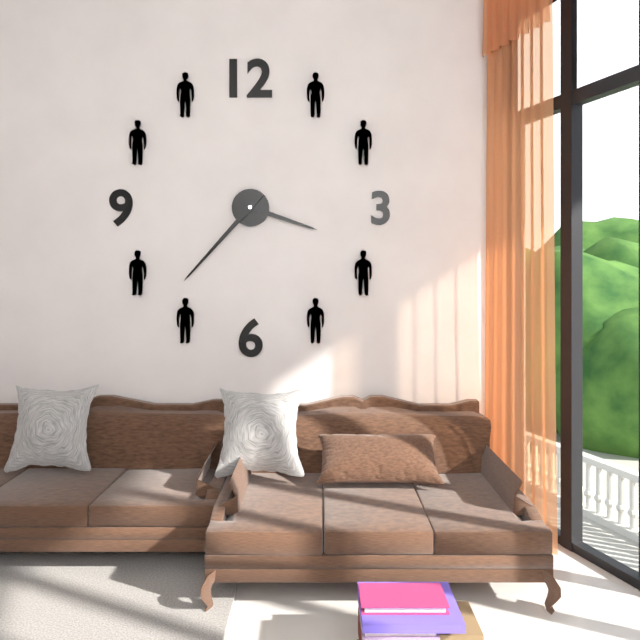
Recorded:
**3:37**
